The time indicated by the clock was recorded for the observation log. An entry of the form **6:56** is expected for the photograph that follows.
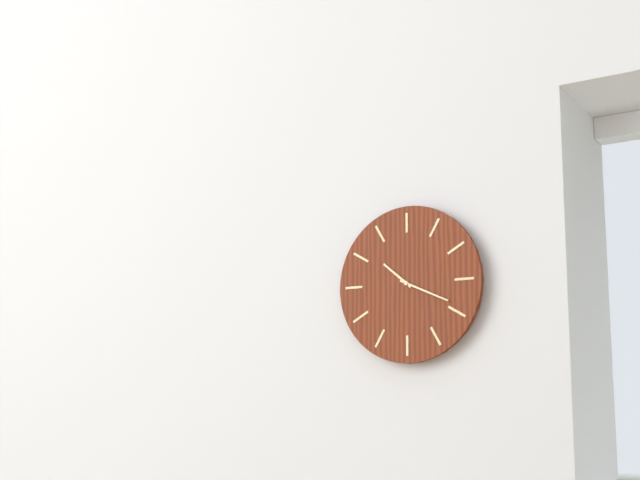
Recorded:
**10:19**
